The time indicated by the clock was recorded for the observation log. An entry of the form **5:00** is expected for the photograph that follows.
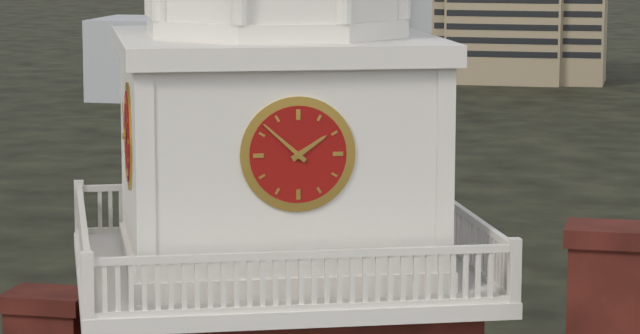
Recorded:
**1:52**
